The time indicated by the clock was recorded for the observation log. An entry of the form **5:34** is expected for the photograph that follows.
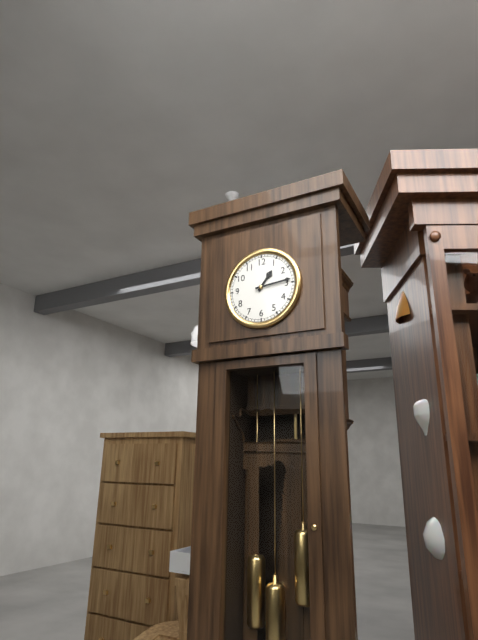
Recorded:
**1:14**
